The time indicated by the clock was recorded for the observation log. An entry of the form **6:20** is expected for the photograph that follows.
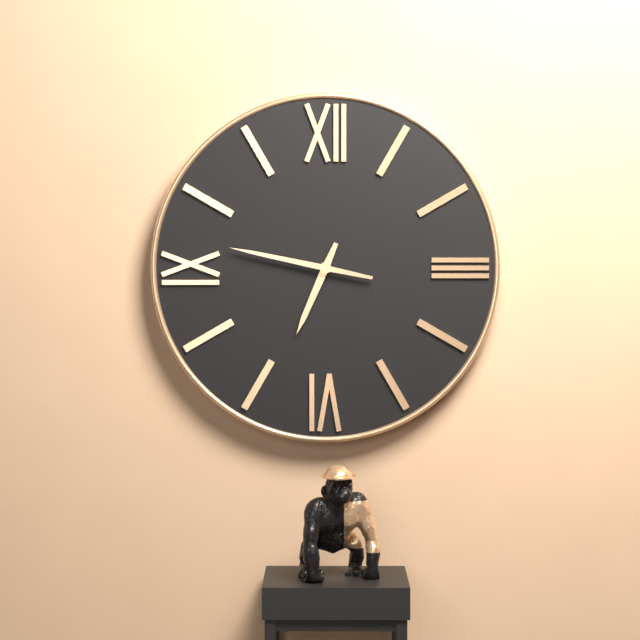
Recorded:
**6:47**
